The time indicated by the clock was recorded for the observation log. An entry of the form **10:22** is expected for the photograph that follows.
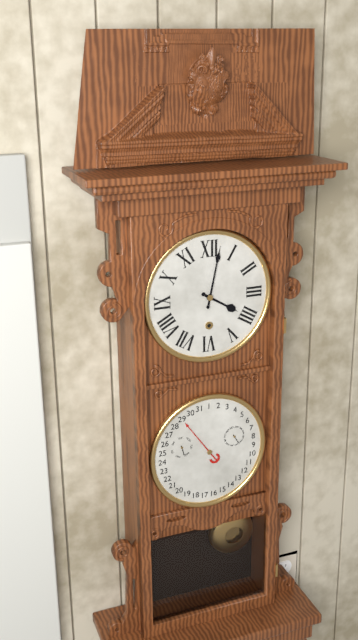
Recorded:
**4:02**
